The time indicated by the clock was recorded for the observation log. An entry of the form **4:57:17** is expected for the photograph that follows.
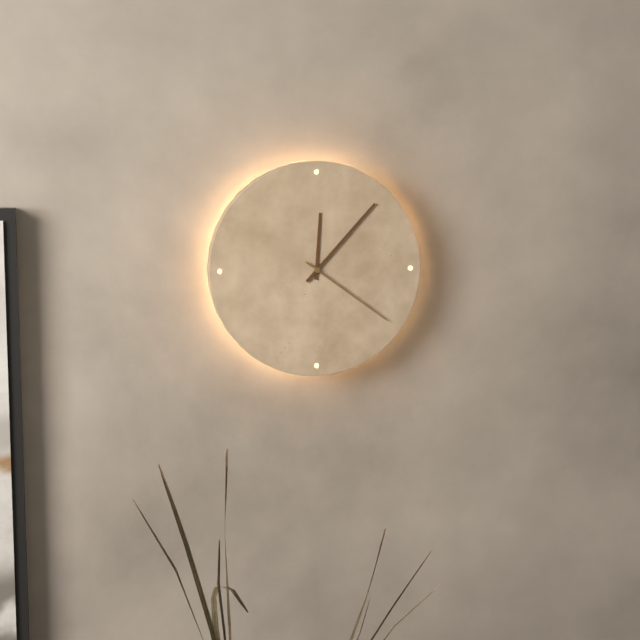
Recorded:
**12:07:21**
